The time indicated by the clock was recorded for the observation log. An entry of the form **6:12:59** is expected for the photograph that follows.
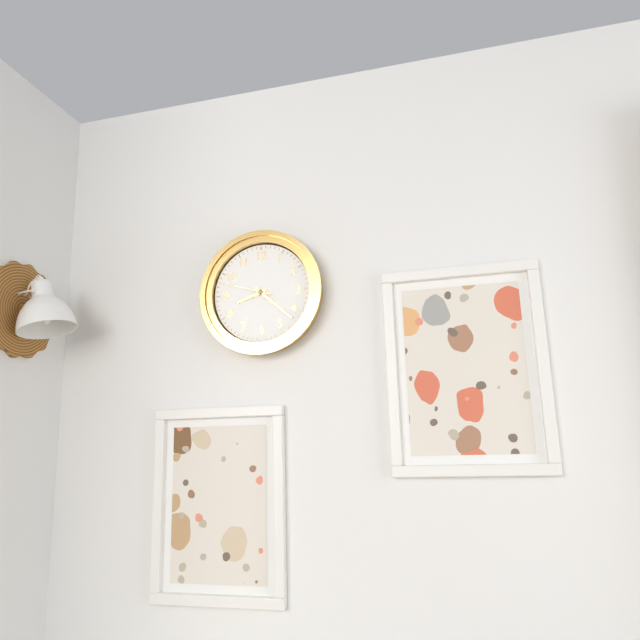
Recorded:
**8:22:48**
